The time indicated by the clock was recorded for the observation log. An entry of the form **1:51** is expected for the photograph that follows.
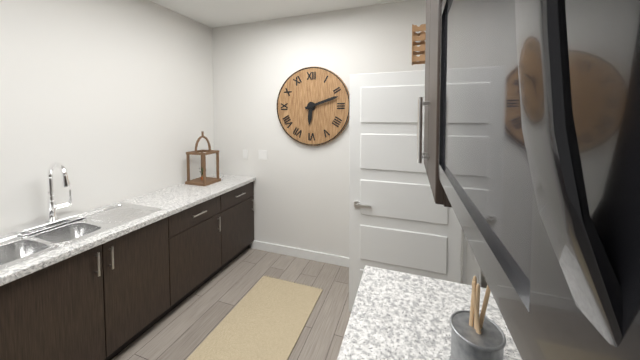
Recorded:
**6:12**
